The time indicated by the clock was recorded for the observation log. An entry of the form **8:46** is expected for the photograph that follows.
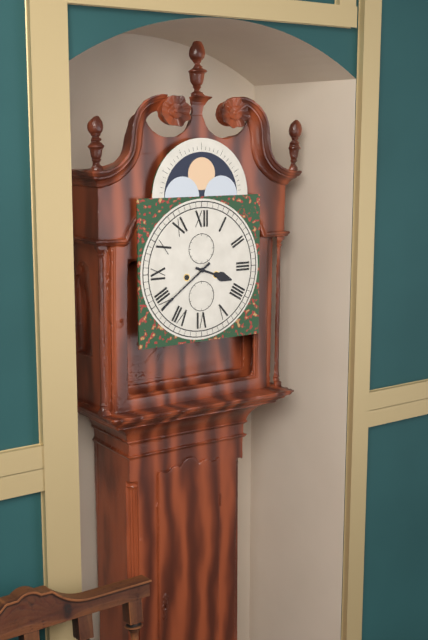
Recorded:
**3:39**
